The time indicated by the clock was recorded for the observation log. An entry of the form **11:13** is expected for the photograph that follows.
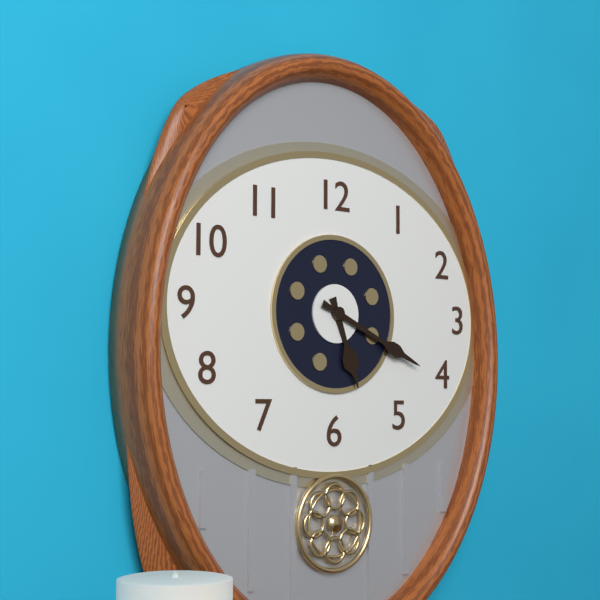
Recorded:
**5:19**
